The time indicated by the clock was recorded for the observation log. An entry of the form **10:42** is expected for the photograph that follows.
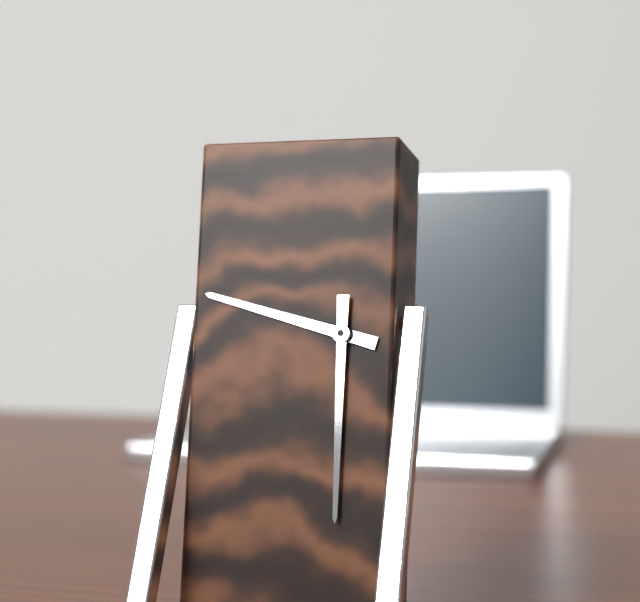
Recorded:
**9:30**
